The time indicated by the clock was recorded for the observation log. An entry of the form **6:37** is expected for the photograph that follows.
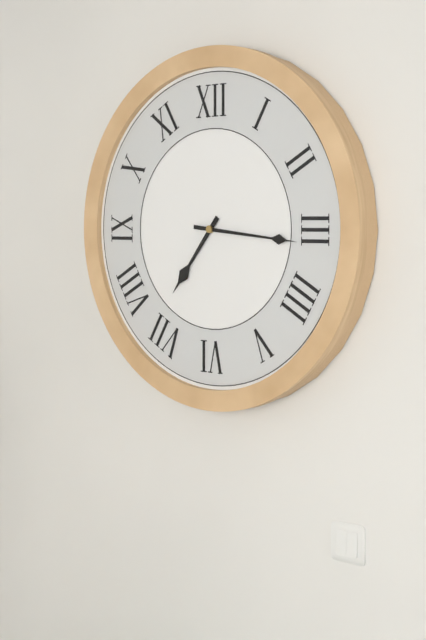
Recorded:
**7:16**
